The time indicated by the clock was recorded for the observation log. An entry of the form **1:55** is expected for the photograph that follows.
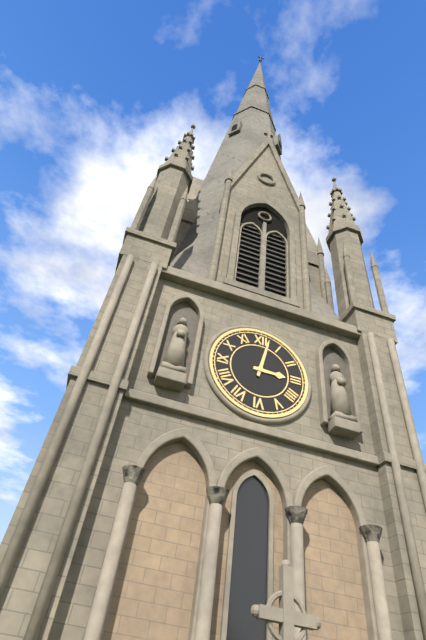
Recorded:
**3:02**
